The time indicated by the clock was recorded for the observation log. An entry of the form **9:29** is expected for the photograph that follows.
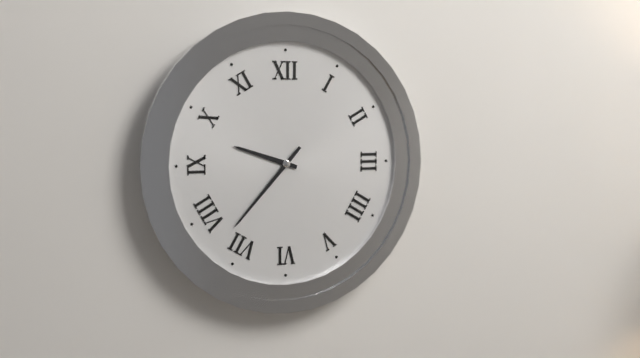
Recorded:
**9:37**
